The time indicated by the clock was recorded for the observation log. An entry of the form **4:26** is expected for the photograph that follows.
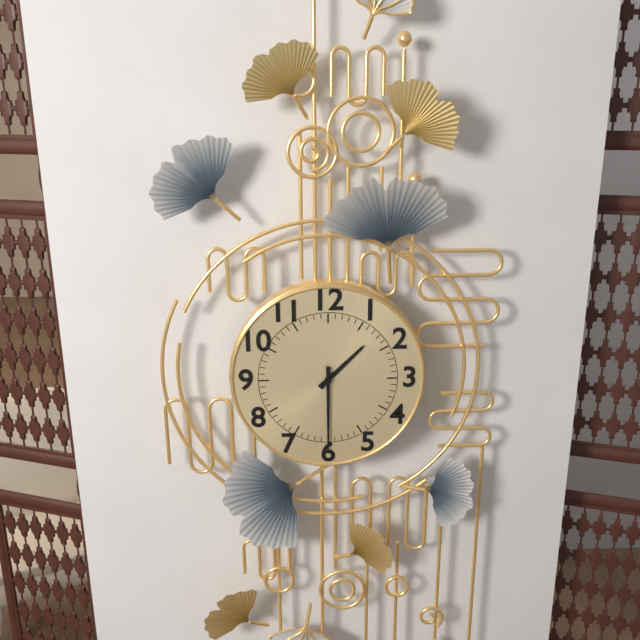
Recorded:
**1:30**
